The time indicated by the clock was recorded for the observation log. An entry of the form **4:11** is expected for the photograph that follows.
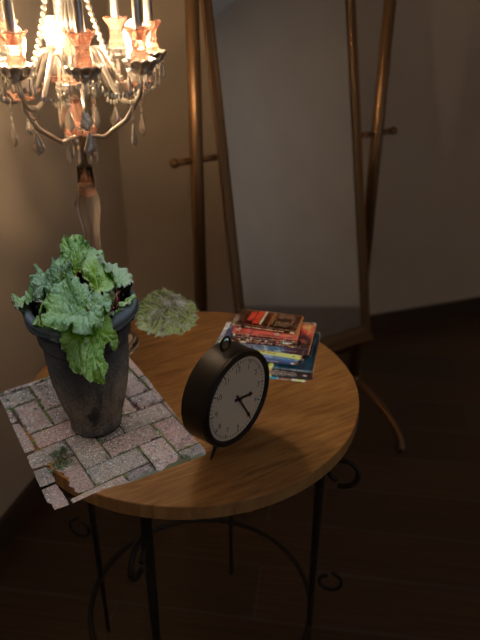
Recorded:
**3:25**
